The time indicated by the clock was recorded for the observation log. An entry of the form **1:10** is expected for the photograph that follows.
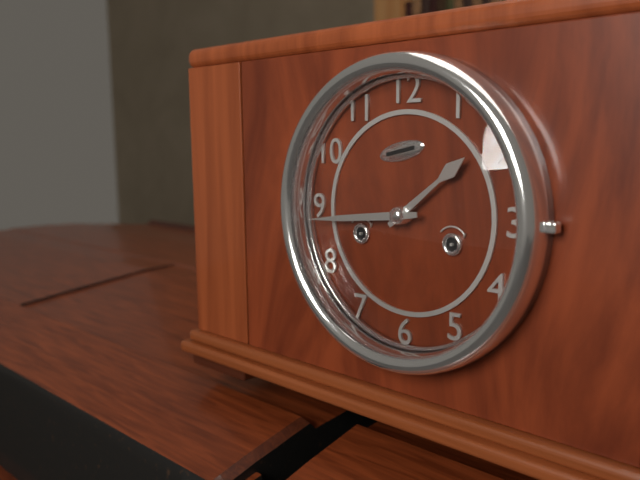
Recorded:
**1:44**
